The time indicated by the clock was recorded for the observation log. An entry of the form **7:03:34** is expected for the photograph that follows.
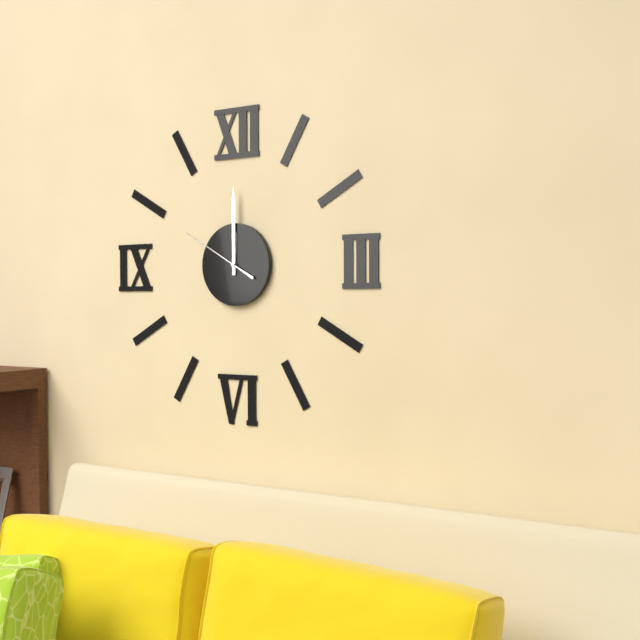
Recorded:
**12:00:50**
